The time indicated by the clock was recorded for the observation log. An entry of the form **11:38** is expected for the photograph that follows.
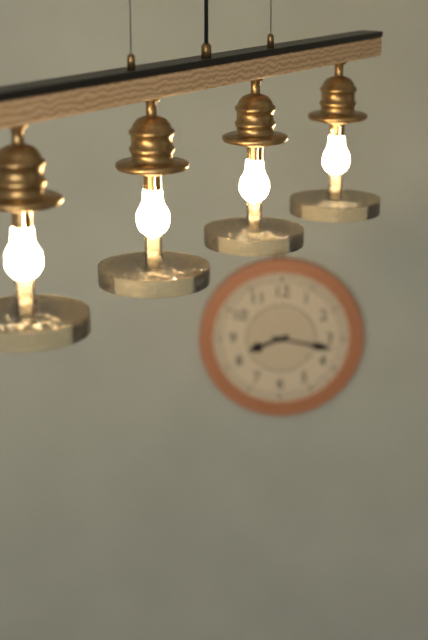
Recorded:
**8:17**
